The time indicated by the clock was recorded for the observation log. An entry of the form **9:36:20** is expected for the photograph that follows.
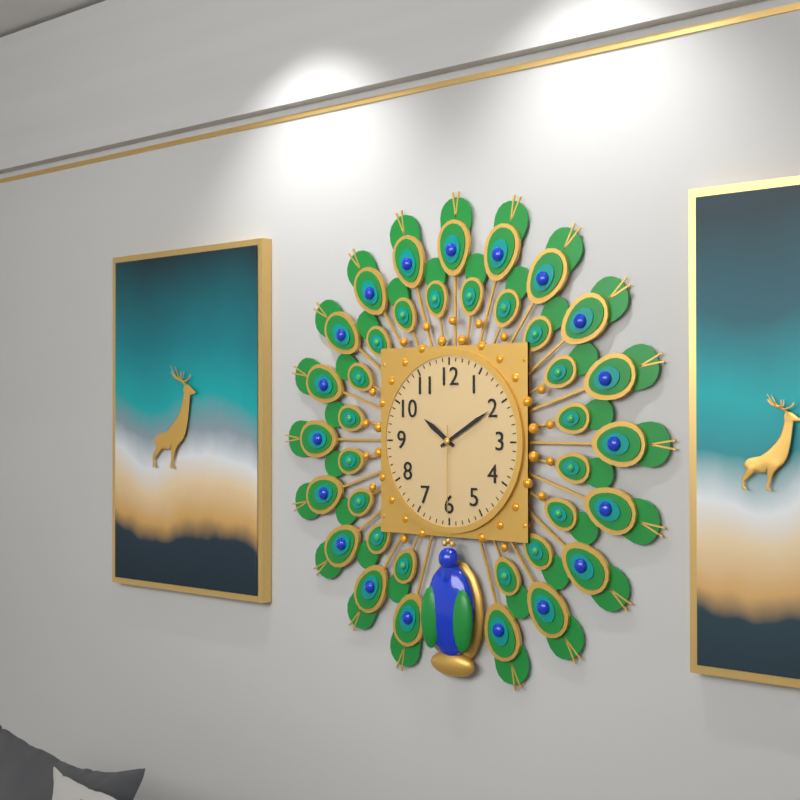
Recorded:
**10:10:30**
